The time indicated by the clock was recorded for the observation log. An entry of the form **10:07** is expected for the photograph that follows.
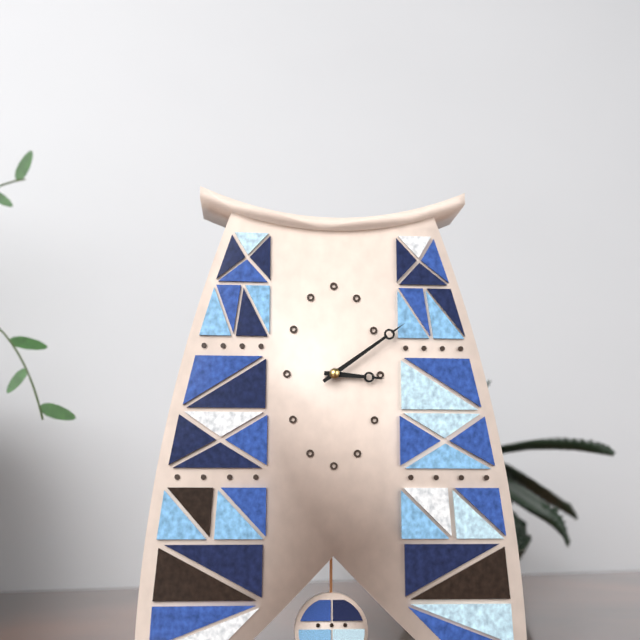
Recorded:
**3:09**
